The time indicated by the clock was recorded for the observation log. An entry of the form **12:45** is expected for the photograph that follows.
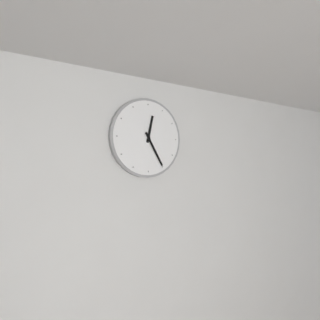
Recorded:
**12:25**
